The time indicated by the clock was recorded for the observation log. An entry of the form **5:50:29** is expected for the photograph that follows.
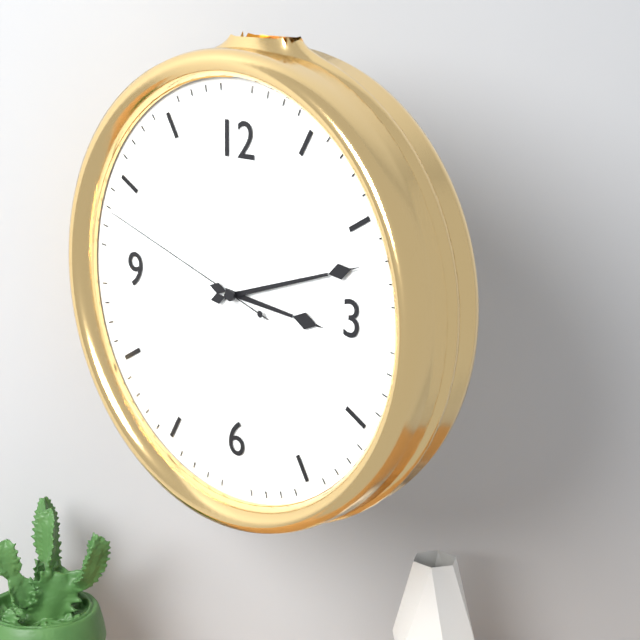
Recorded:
**3:12:48**
